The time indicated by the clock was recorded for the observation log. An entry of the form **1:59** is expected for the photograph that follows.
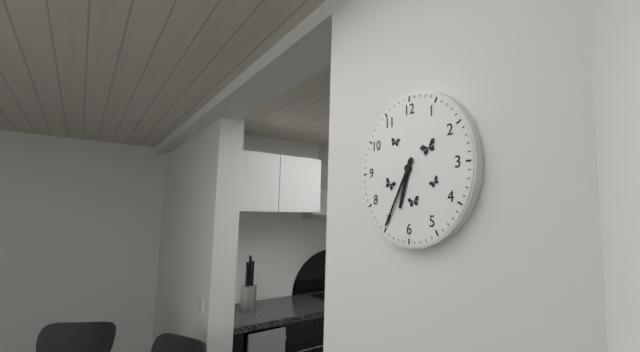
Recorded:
**6:35**
